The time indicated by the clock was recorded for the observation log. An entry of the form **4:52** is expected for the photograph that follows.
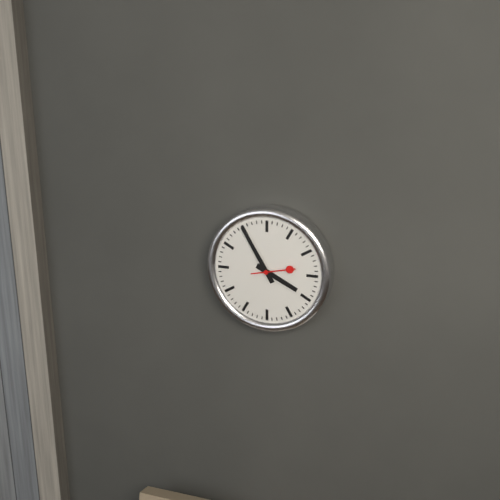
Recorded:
**3:55**
